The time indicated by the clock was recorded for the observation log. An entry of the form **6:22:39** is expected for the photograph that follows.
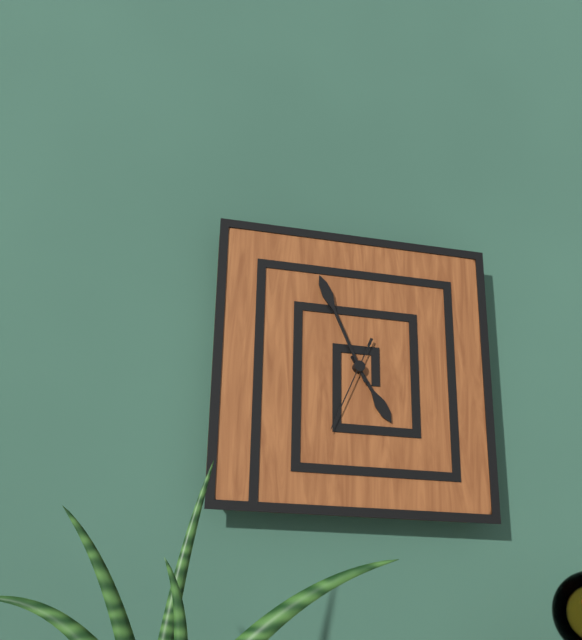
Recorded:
**4:56:34**
